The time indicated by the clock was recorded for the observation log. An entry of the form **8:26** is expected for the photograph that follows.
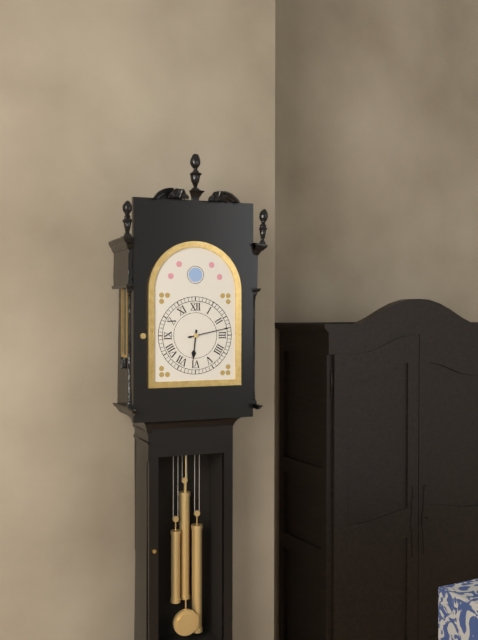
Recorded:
**6:13**
